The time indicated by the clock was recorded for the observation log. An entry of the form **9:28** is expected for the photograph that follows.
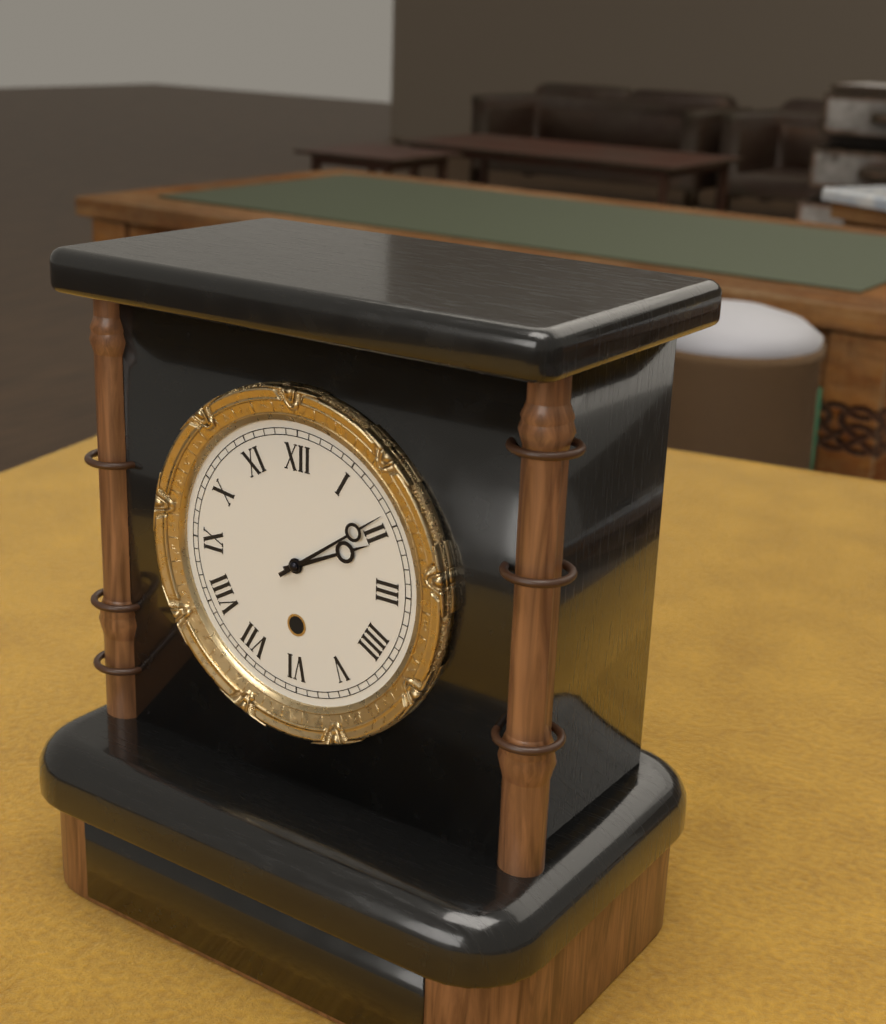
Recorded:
**2:09**
